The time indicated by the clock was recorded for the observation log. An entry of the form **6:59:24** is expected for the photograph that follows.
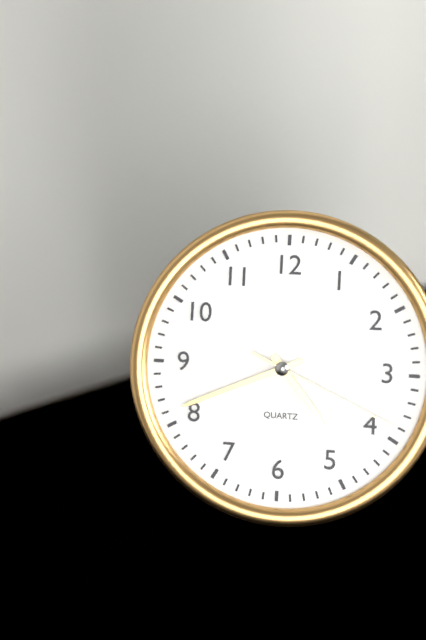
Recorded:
**4:41:19**
